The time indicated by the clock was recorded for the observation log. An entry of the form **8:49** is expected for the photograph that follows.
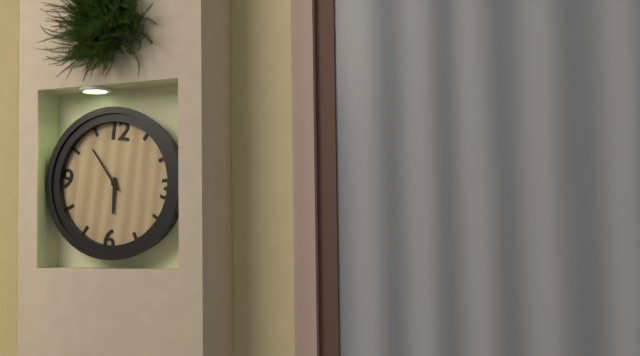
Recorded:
**5:53**
